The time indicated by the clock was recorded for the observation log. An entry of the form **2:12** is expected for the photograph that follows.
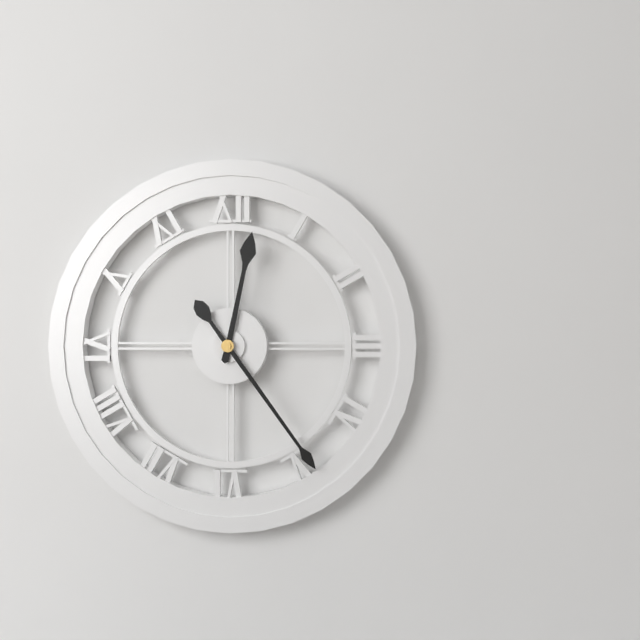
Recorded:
**12:24**
